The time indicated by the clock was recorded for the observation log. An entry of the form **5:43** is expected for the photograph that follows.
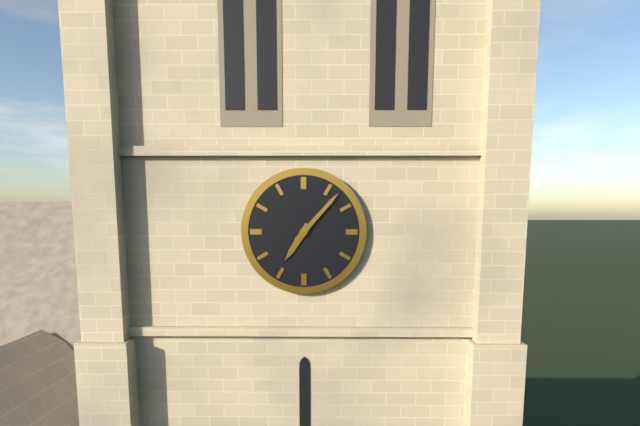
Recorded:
**7:07**
